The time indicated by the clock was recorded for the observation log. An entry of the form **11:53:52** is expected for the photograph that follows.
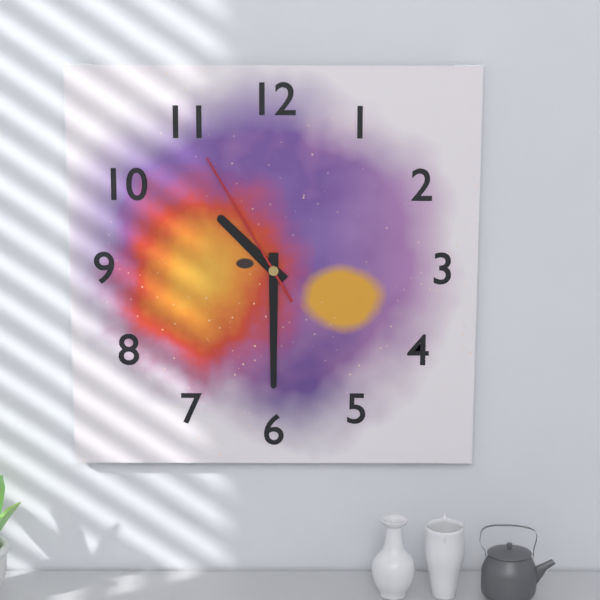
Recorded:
**10:30:55**
